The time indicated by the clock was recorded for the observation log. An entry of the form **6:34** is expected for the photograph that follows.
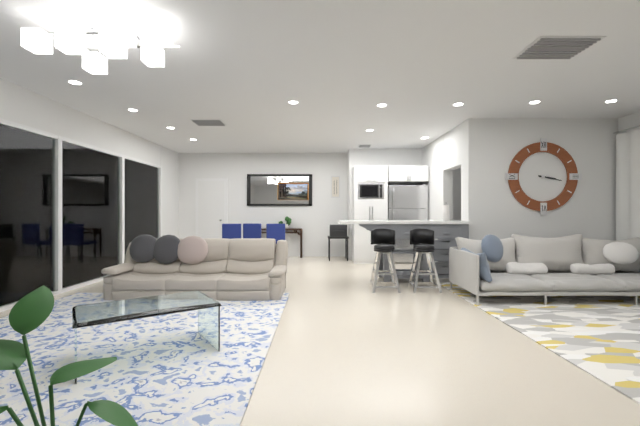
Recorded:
**3:17**
